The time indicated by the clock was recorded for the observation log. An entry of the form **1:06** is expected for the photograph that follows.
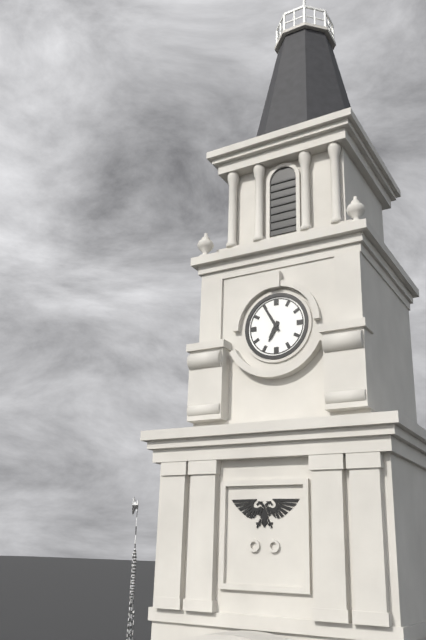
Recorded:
**6:55**
